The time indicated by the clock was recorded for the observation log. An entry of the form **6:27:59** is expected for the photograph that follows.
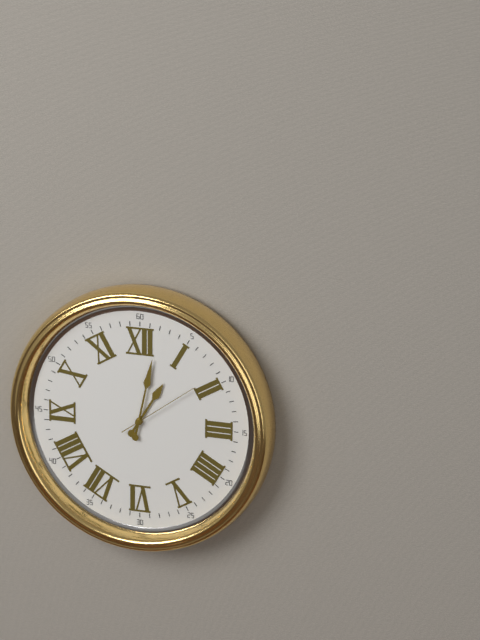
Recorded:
**1:02:09**
